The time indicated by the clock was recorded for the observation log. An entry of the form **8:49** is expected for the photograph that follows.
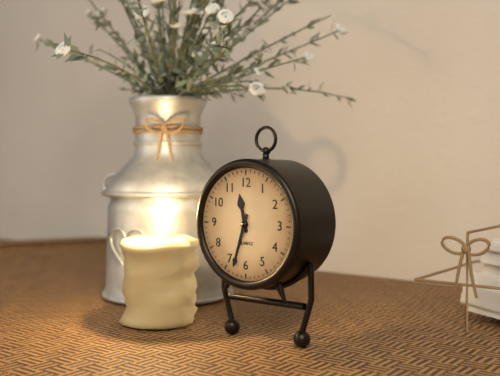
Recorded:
**11:33**
